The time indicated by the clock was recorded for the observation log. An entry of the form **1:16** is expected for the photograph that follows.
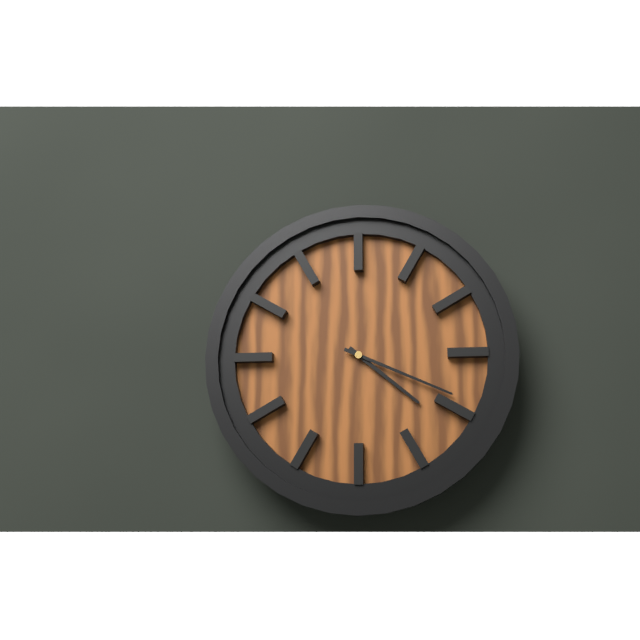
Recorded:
**4:19**
